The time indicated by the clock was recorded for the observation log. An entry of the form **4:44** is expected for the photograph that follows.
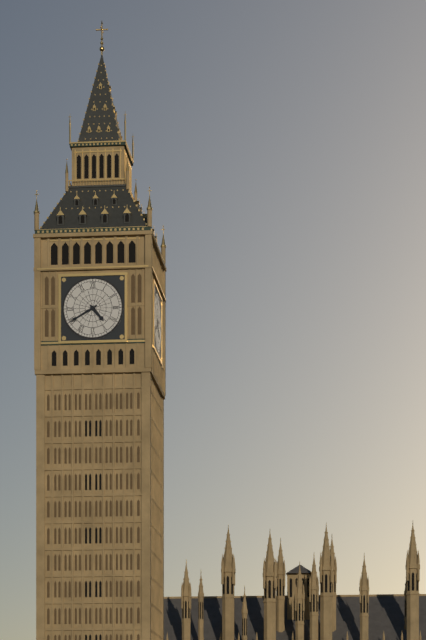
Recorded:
**4:40**
